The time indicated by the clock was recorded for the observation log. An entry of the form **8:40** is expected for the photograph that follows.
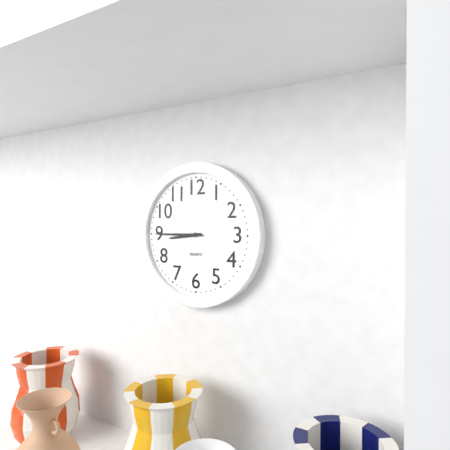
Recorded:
**8:45**
